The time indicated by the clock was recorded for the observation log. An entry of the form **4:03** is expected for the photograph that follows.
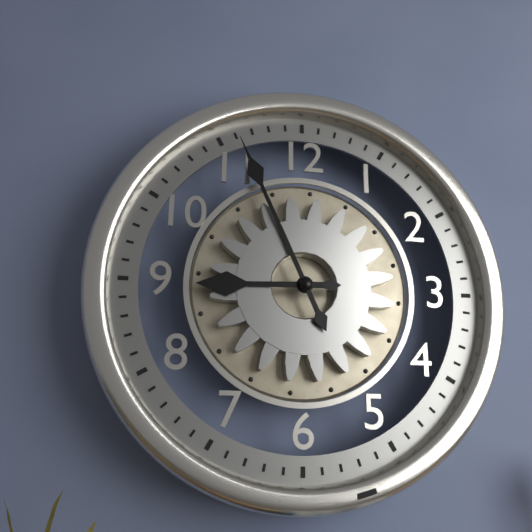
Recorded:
**8:56**
